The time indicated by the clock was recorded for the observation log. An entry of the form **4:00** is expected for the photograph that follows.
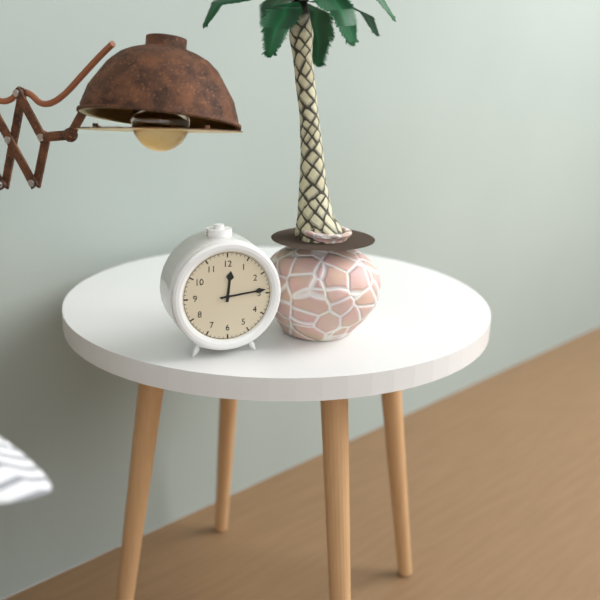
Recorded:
**12:14**
